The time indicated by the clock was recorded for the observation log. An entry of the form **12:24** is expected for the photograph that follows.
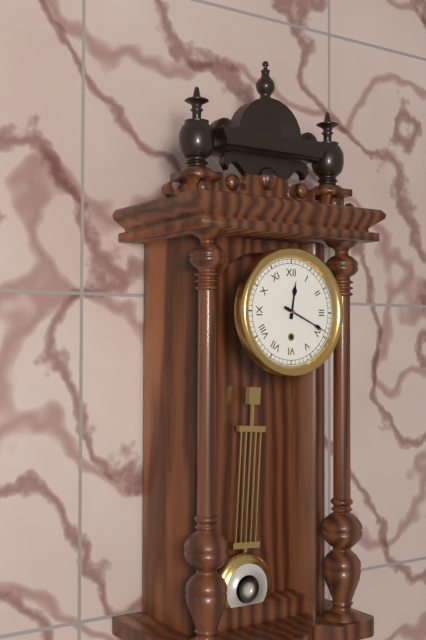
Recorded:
**12:19**
